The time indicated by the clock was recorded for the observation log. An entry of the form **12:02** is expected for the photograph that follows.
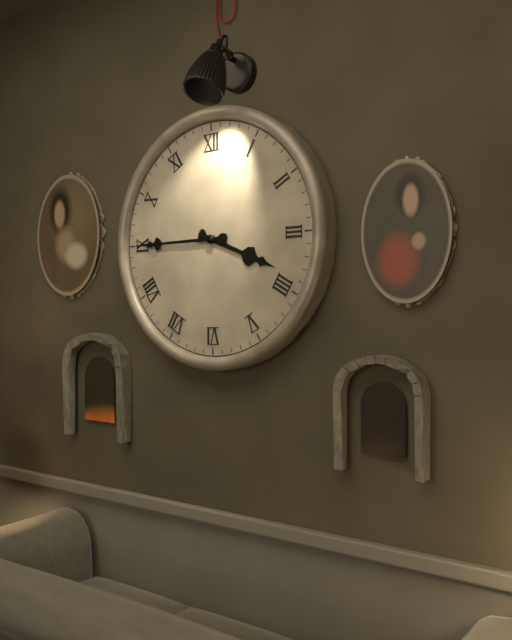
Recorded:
**3:45**
